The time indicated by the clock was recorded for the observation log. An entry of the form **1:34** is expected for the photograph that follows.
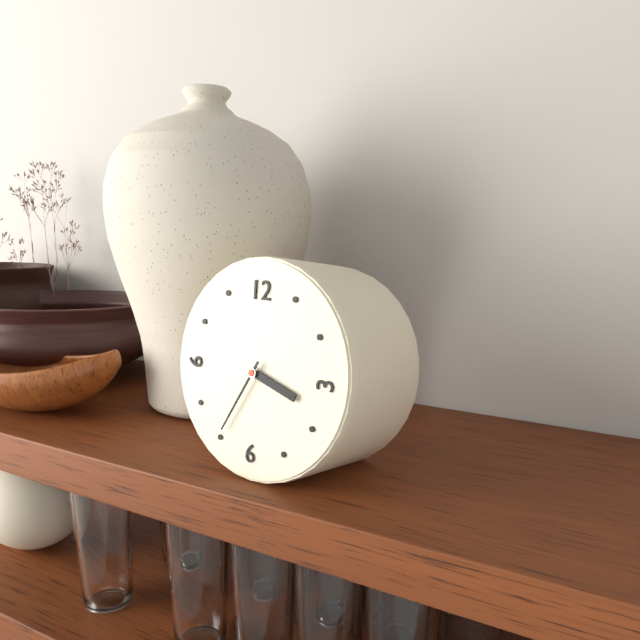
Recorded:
**3:35**
